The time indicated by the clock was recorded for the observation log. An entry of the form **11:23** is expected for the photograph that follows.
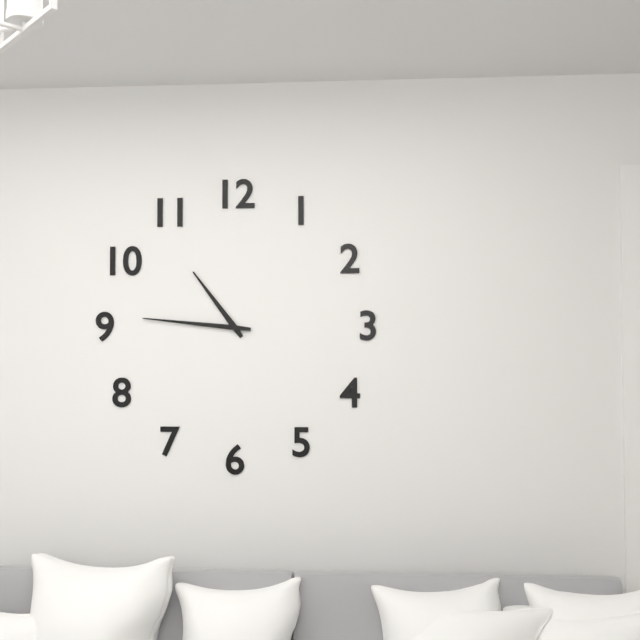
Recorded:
**10:46**
